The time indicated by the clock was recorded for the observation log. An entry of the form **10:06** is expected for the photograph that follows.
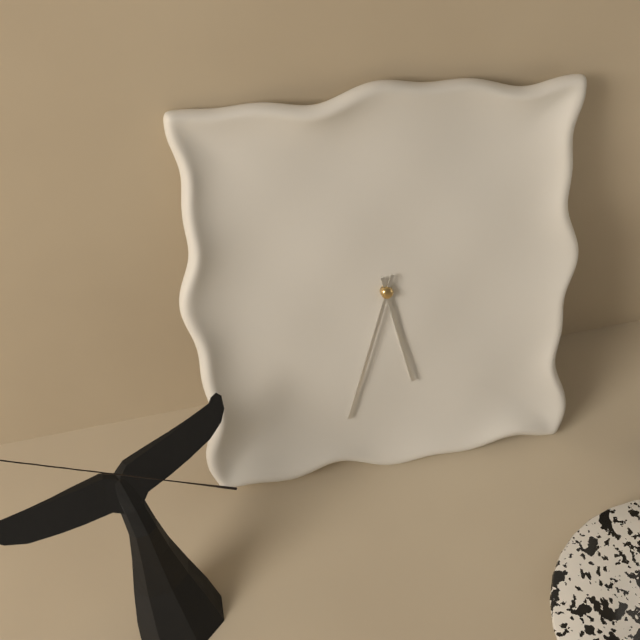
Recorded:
**5:33**
